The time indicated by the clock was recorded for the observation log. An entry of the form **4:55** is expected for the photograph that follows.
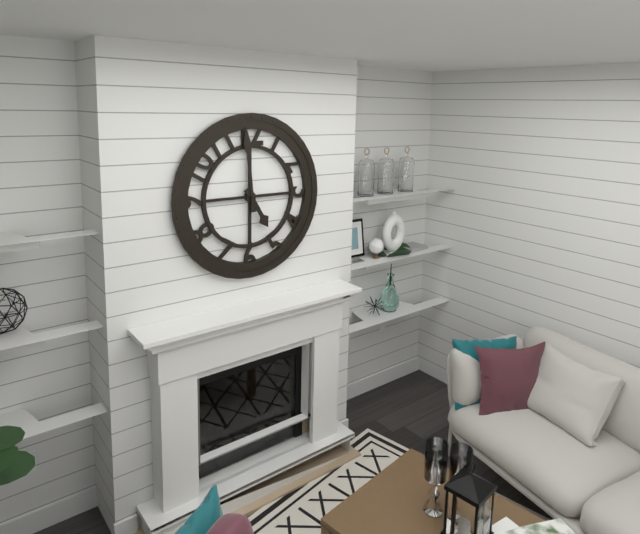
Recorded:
**4:59**
